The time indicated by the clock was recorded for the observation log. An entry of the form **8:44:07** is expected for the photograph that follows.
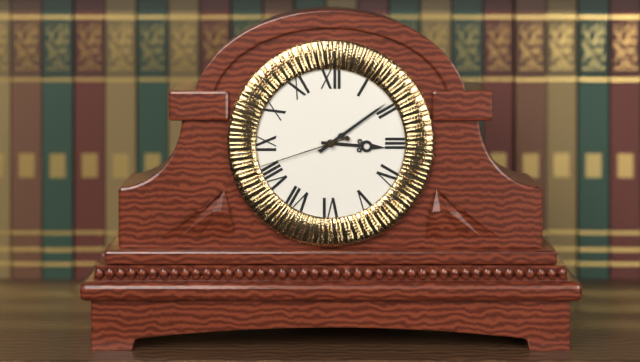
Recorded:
**3:09:42**
